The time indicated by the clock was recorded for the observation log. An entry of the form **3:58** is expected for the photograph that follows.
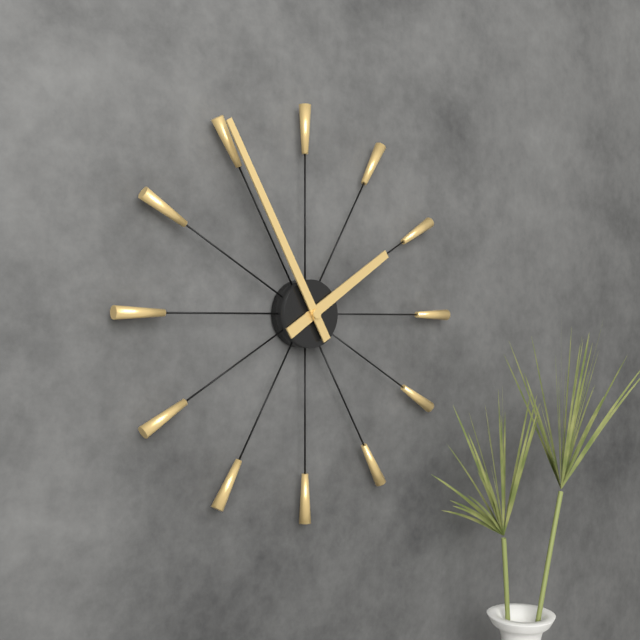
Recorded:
**1:55**
